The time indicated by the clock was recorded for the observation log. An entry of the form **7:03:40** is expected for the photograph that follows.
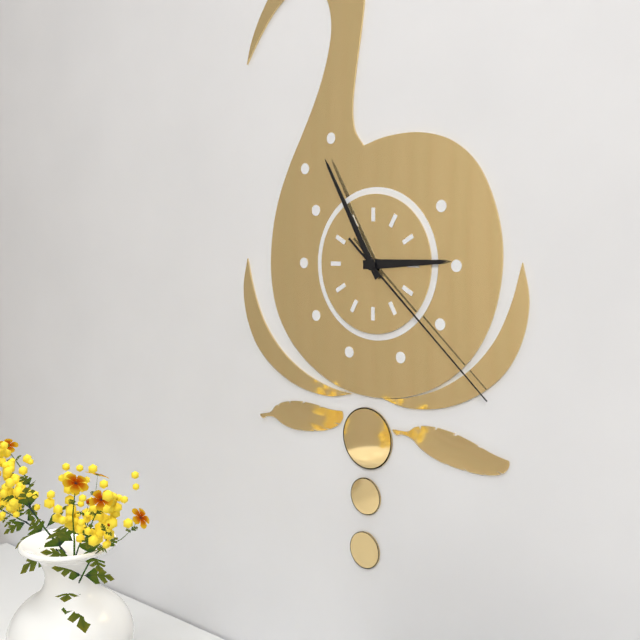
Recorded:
**2:55:22**
